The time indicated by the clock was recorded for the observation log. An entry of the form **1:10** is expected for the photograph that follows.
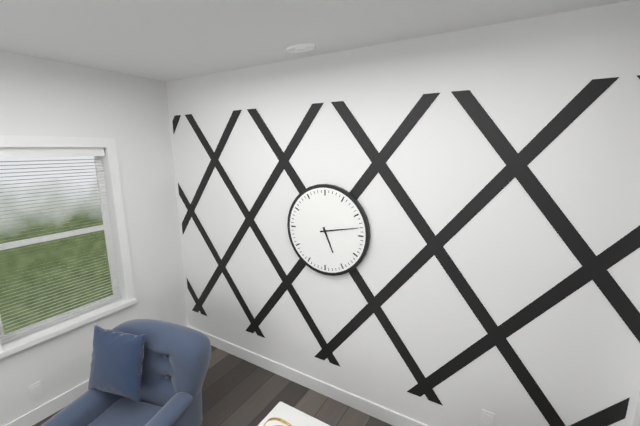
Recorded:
**5:13**
